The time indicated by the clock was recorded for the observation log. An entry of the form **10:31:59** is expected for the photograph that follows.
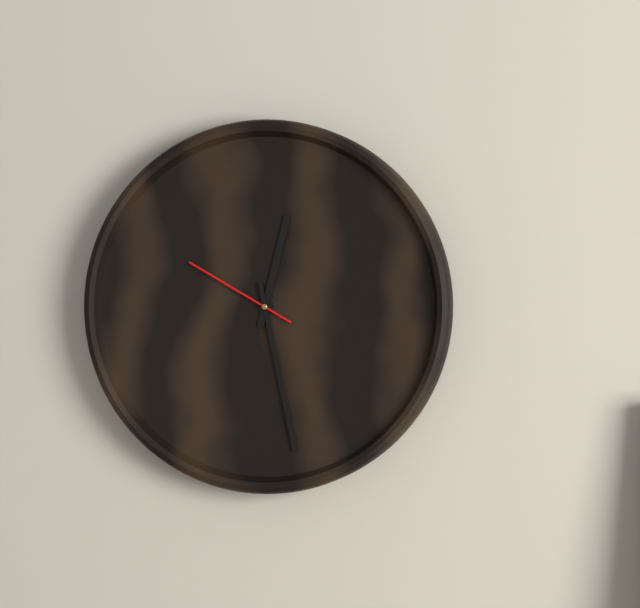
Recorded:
**12:28:50**
